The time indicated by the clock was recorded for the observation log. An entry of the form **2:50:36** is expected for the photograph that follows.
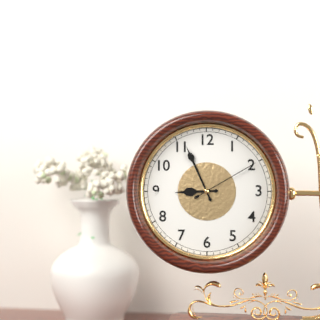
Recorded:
**8:56:10**
